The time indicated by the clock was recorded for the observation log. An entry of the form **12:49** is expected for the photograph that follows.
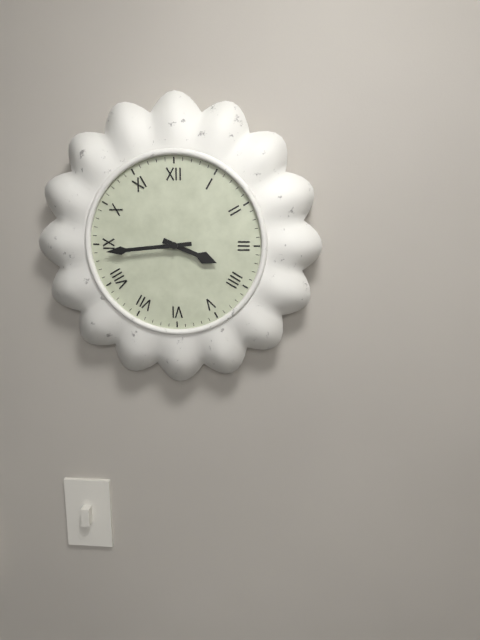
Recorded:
**3:44**
